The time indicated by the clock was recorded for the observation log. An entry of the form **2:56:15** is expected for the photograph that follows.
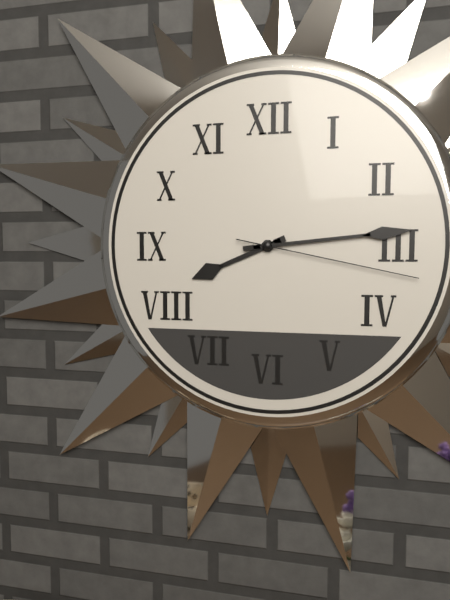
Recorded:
**8:14:17**
